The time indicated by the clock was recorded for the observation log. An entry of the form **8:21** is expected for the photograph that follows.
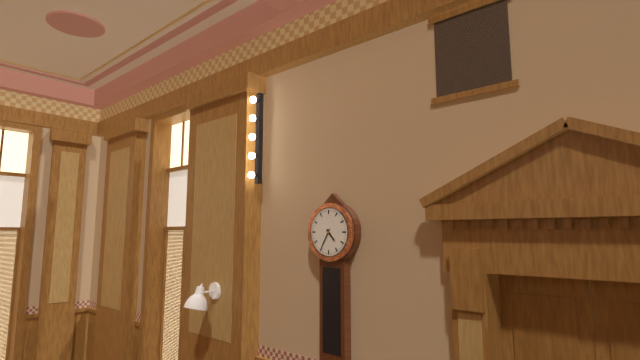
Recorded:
**4:35**
